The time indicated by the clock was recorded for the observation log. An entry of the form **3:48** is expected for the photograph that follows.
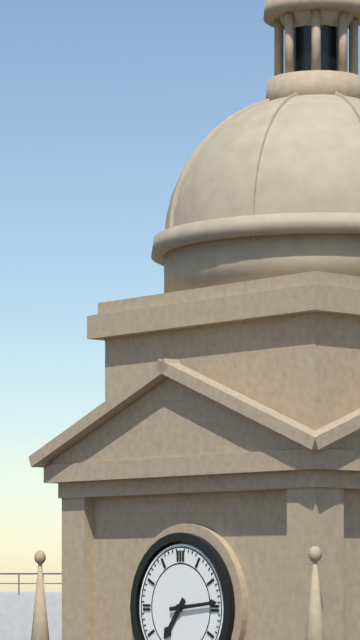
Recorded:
**7:14**
